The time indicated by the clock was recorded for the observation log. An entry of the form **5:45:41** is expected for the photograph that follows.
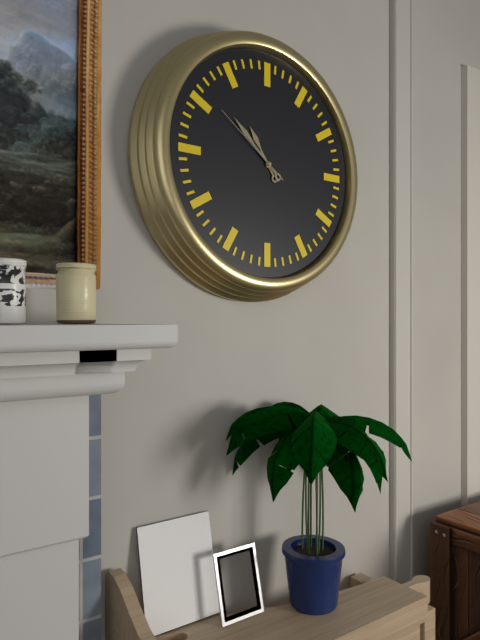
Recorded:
**10:52:51**
